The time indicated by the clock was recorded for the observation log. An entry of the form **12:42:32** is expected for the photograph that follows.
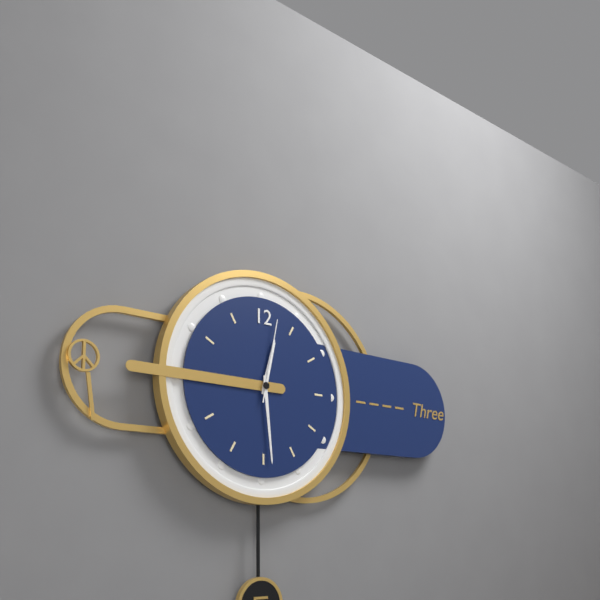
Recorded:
**12:29:02**
